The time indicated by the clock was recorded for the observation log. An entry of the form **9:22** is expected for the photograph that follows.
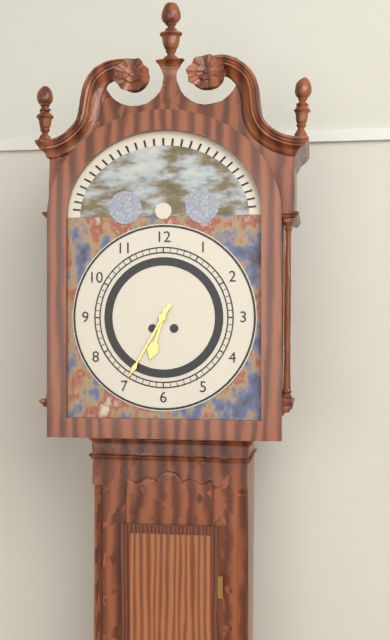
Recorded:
**6:35**
